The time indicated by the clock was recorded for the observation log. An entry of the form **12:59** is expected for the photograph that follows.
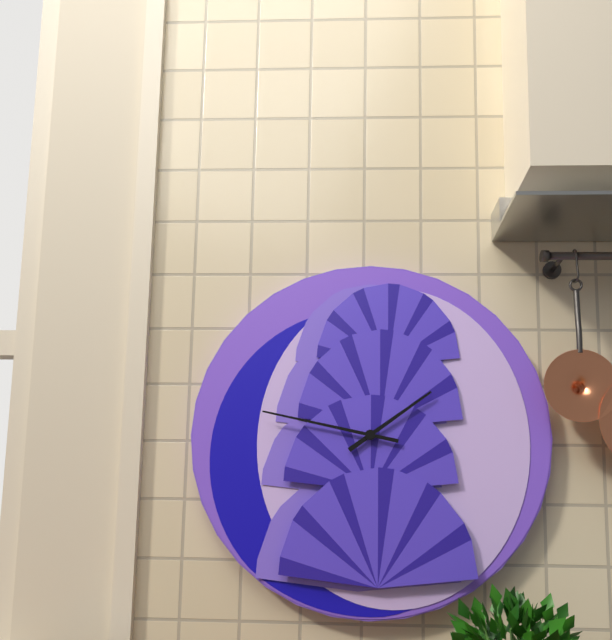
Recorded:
**1:47**
